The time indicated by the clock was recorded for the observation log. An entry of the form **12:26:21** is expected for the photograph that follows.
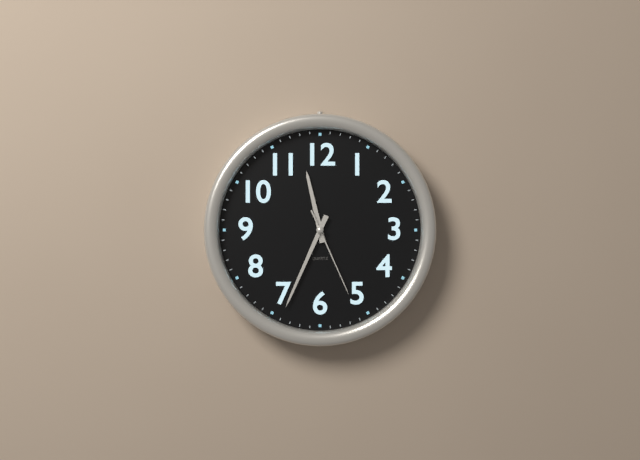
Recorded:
**11:34:26**
